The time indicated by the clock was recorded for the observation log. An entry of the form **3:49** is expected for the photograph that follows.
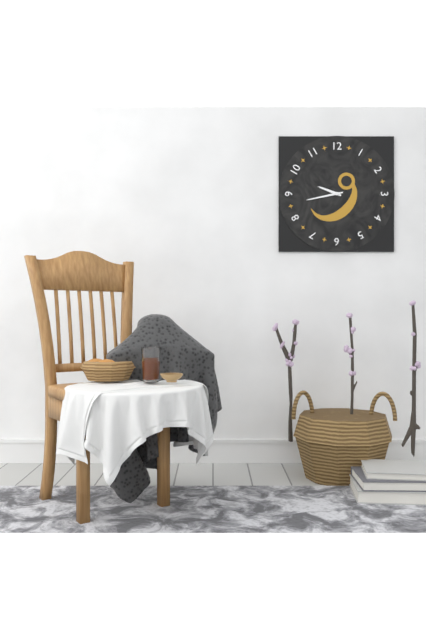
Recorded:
**9:43**
